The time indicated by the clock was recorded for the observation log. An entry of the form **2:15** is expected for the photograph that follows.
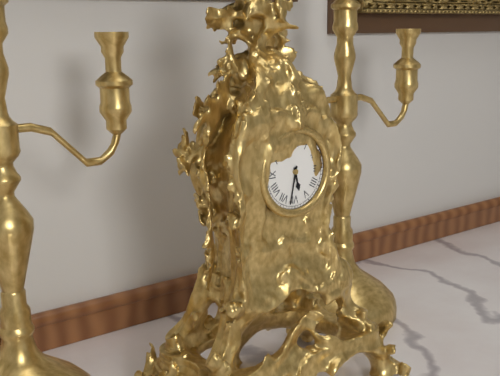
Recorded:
**5:32**
